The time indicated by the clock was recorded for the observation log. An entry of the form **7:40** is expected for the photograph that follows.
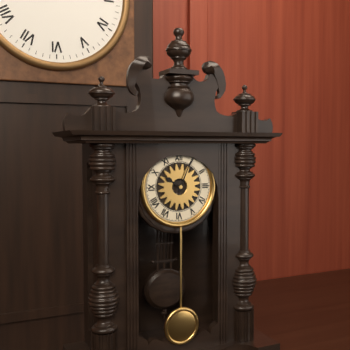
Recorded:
**10:04**
